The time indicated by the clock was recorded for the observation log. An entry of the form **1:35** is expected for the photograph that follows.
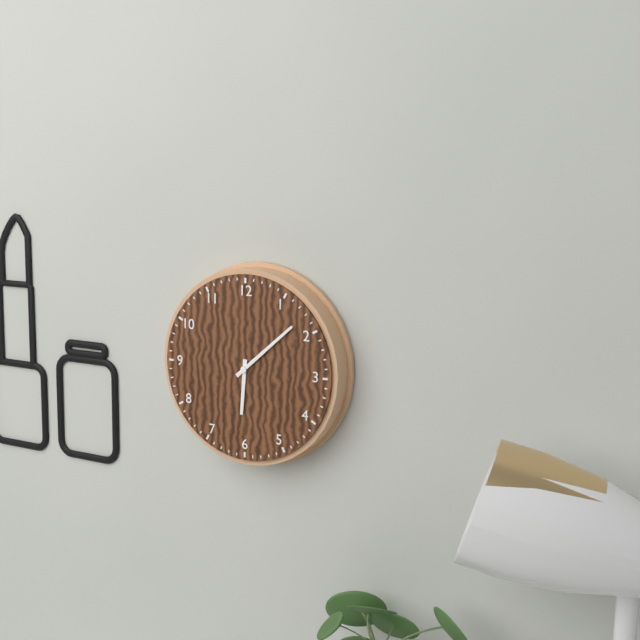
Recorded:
**6:08**
